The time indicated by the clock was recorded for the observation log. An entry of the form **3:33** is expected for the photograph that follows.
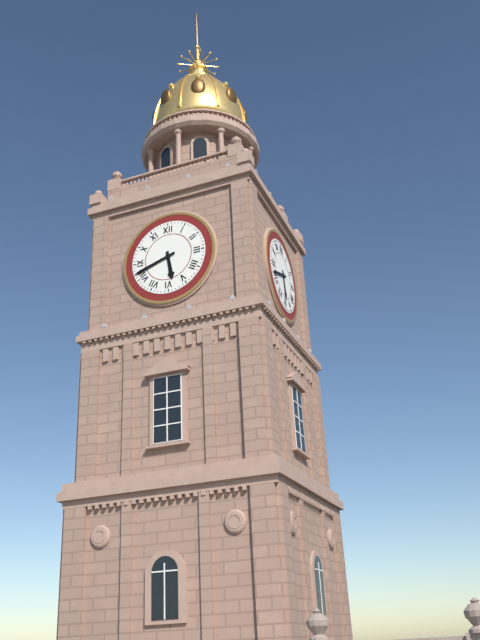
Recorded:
**5:42**
